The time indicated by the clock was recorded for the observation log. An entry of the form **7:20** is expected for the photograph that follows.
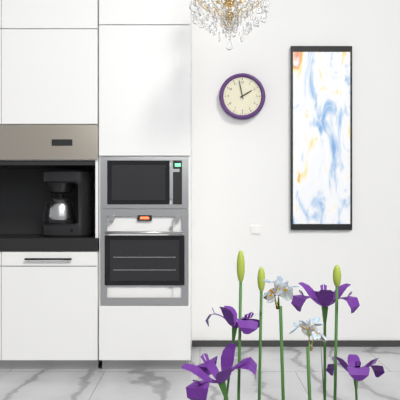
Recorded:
**1:58**
